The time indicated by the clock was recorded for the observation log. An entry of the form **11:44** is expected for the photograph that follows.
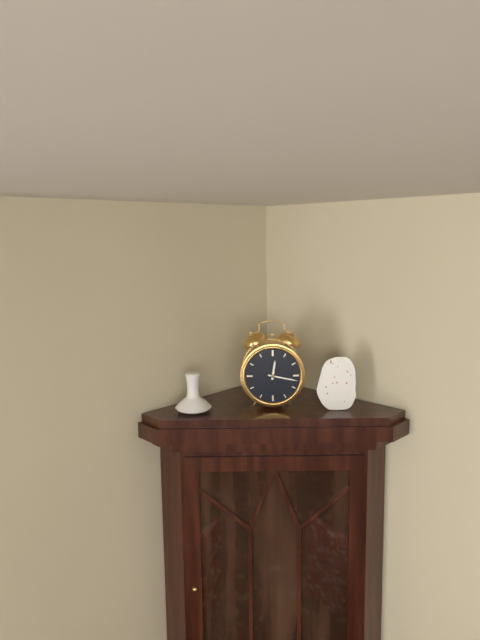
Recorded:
**12:17**
